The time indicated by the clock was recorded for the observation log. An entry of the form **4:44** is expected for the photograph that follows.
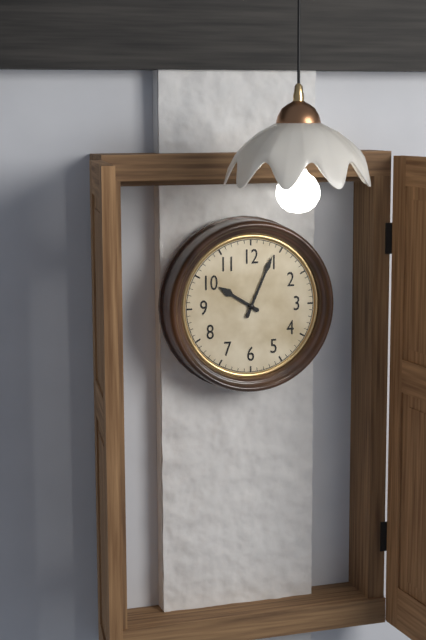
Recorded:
**10:04**
